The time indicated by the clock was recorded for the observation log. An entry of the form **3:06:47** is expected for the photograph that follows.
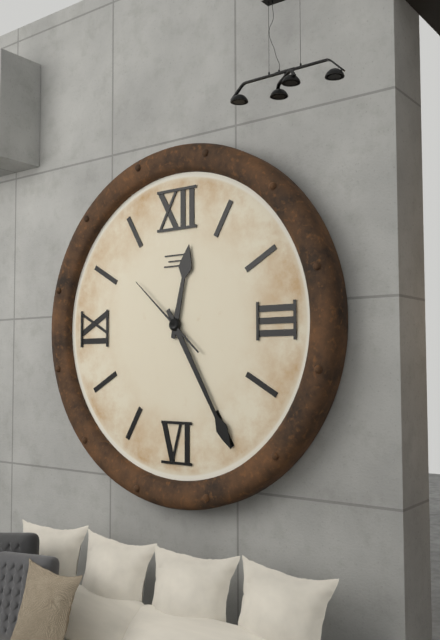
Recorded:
**12:25:52**
